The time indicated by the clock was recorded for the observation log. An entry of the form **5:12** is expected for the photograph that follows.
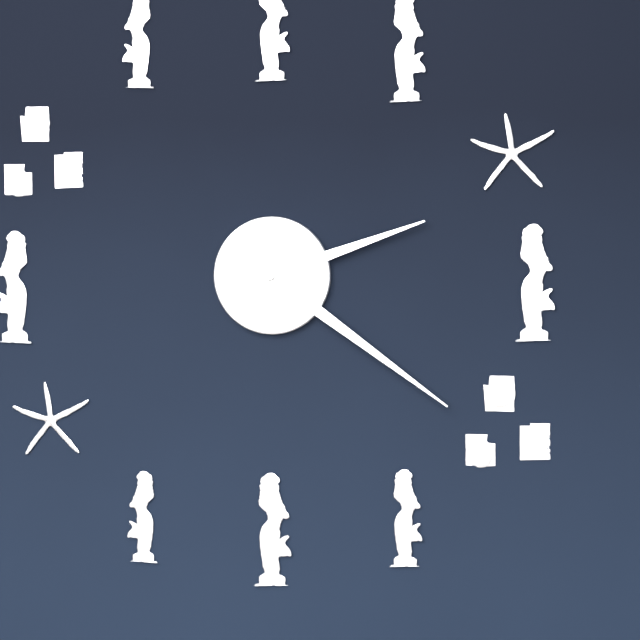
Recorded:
**2:21**
